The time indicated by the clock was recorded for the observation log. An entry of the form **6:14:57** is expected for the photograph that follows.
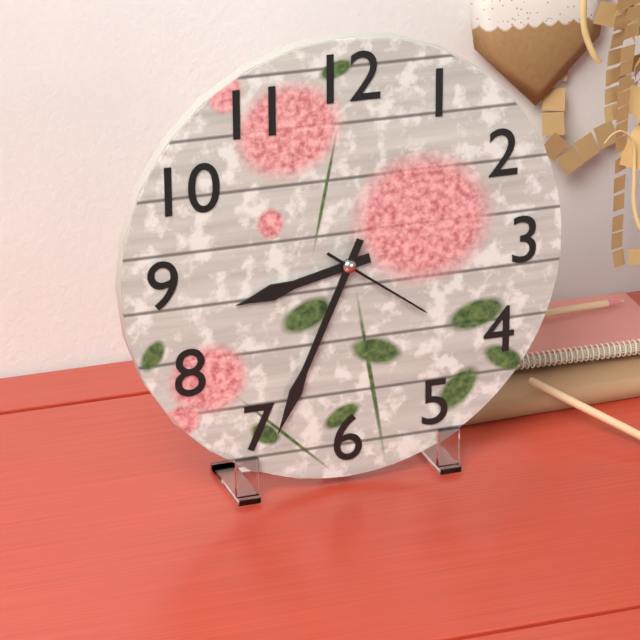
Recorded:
**8:34:21**
